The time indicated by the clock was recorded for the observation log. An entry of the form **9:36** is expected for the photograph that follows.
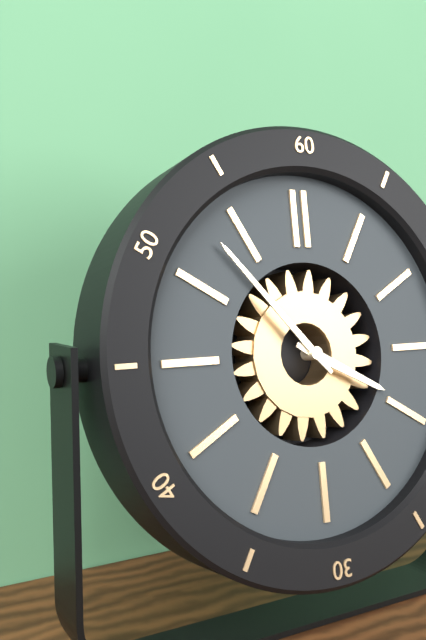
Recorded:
**3:53**
